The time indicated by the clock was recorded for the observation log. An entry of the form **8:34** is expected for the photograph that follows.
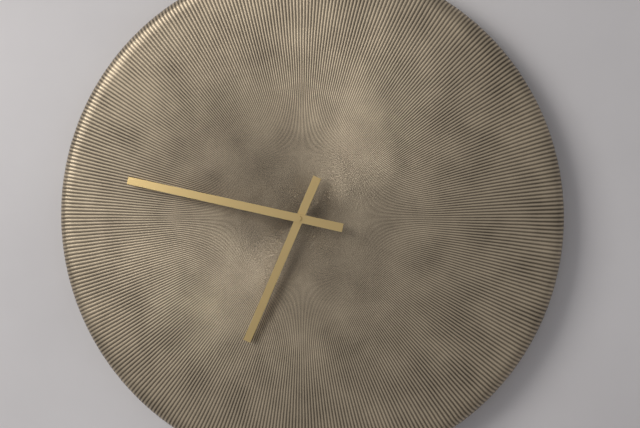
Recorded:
**6:47**
